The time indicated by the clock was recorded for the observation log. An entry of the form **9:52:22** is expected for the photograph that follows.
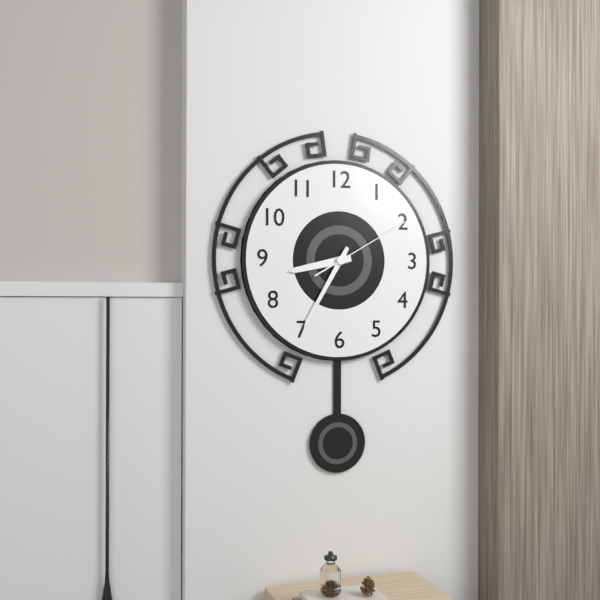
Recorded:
**8:35:10**
